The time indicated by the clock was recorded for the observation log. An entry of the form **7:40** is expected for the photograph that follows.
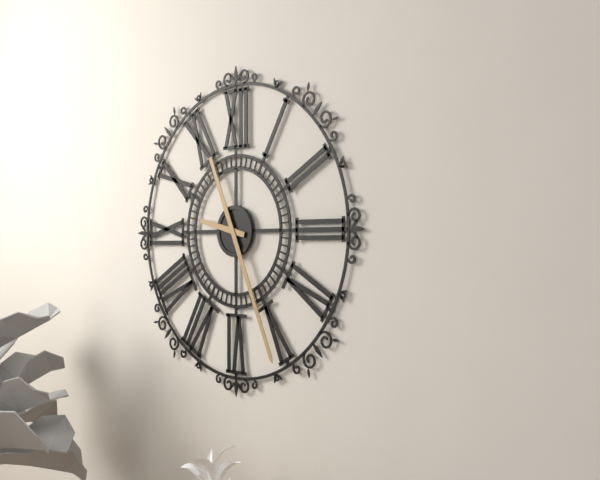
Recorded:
**9:26**
